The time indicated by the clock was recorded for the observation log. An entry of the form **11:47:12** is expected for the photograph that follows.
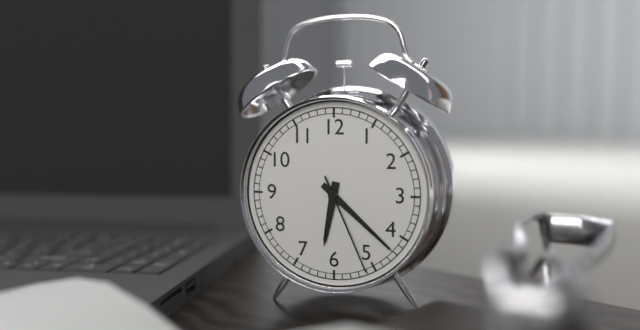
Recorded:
**6:22:26**
